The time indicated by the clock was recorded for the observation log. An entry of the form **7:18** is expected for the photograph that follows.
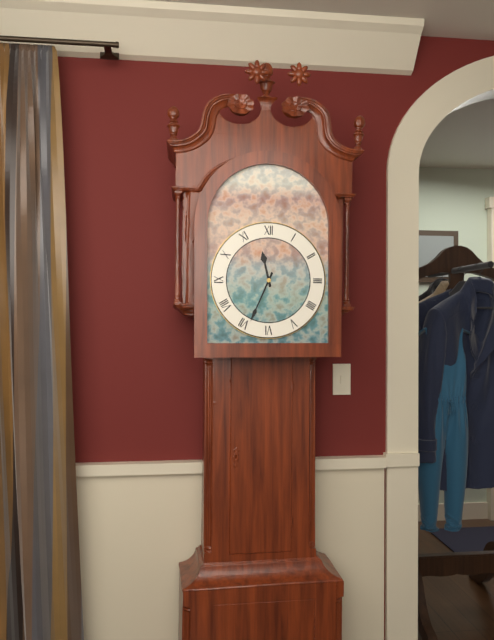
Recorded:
**11:34**
